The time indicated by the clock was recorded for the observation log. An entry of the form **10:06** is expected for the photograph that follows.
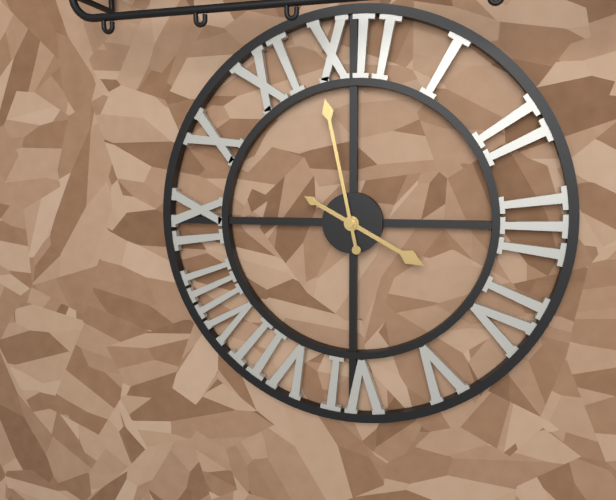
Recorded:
**3:58**
